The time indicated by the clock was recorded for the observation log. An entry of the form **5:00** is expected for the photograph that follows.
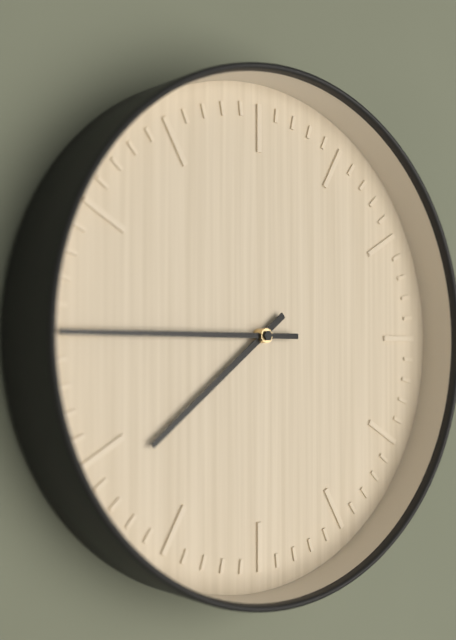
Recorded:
**7:45**
